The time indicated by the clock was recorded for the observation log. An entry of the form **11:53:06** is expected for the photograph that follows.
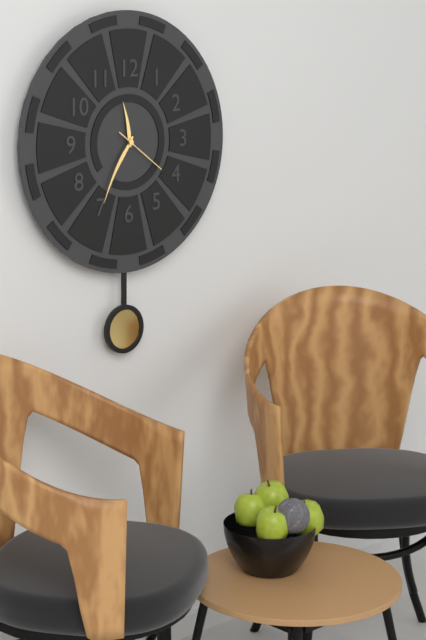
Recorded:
**11:35:21**
